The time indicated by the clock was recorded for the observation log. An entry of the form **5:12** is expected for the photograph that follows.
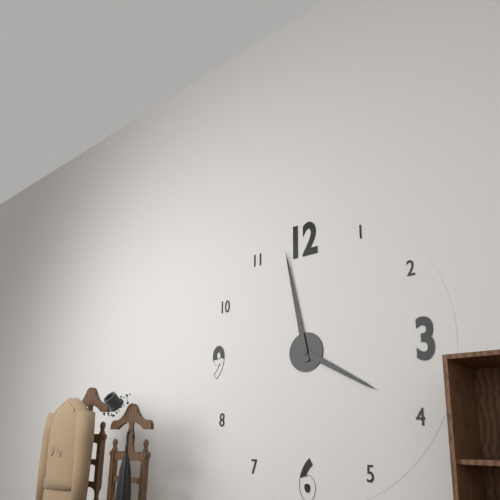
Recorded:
**3:58**
